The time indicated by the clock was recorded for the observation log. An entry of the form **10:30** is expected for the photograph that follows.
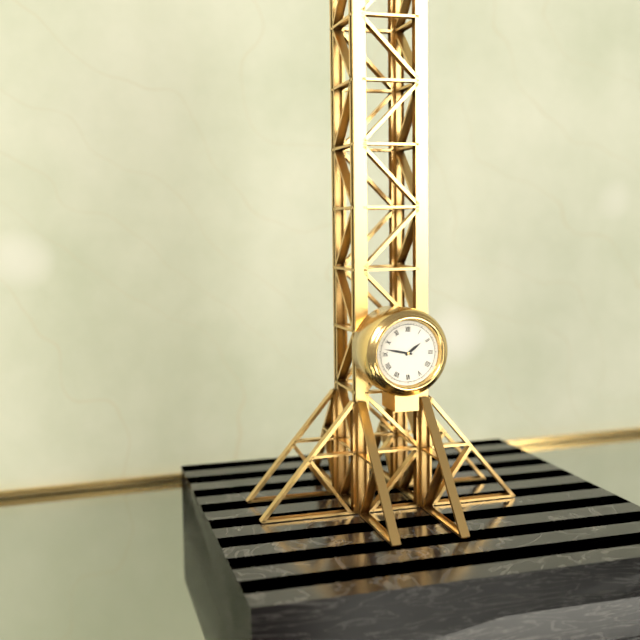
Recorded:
**1:47**
